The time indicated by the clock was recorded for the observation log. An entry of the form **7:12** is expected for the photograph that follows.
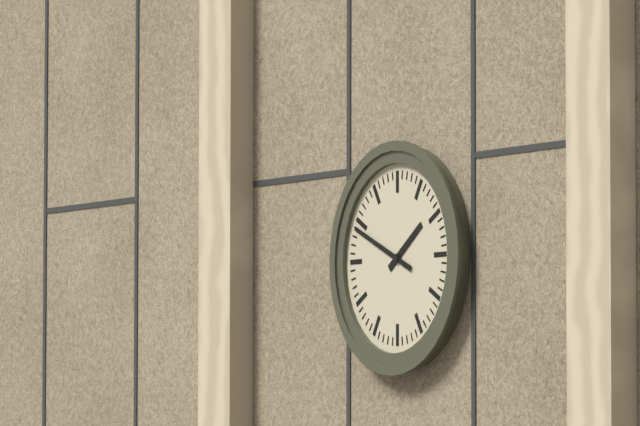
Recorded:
**1:49**
